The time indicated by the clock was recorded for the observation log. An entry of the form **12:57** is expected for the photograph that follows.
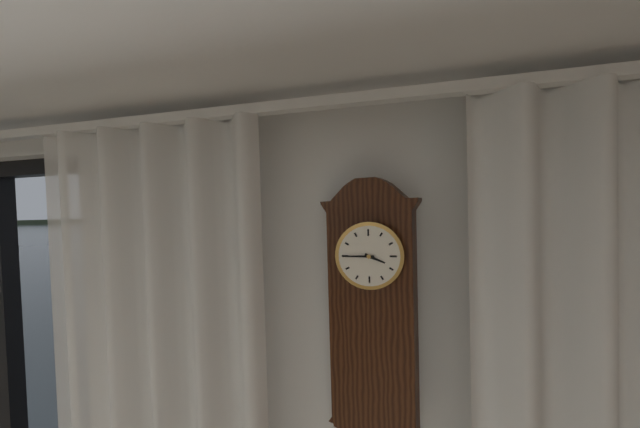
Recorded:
**3:45**
